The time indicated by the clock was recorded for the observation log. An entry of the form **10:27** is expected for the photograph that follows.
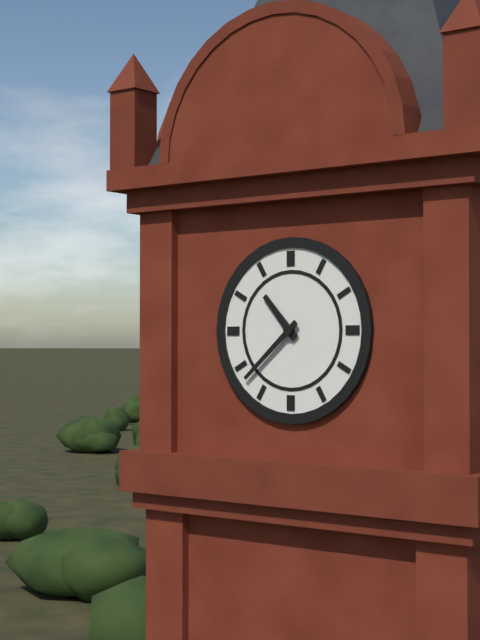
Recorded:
**10:38**
